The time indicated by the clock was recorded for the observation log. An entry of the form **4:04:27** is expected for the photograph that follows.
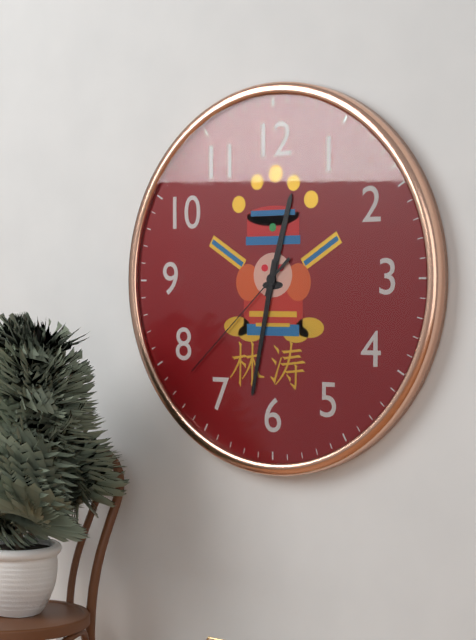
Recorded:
**12:32:38**
